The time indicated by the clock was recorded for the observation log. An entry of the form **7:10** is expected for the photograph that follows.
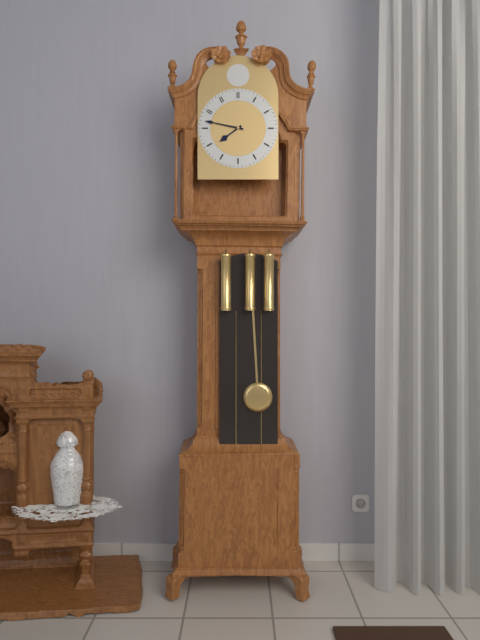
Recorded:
**7:47**
